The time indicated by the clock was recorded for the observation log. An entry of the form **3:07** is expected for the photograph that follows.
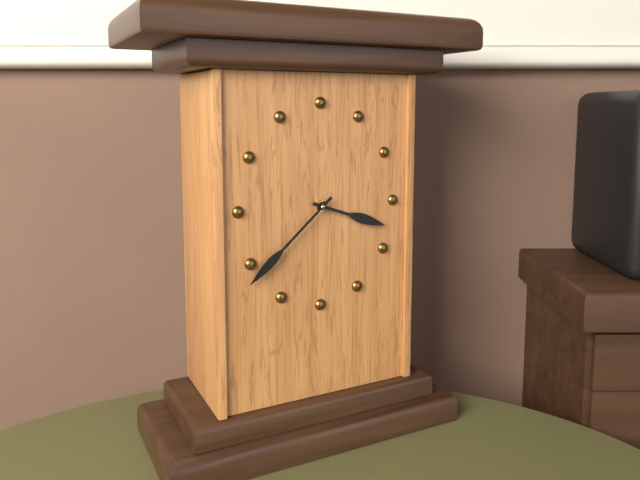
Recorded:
**3:38**
